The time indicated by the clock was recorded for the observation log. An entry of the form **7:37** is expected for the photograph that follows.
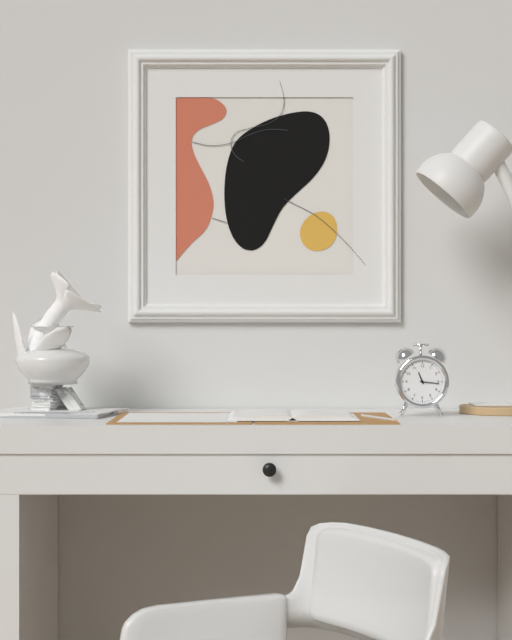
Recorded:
**11:16**
